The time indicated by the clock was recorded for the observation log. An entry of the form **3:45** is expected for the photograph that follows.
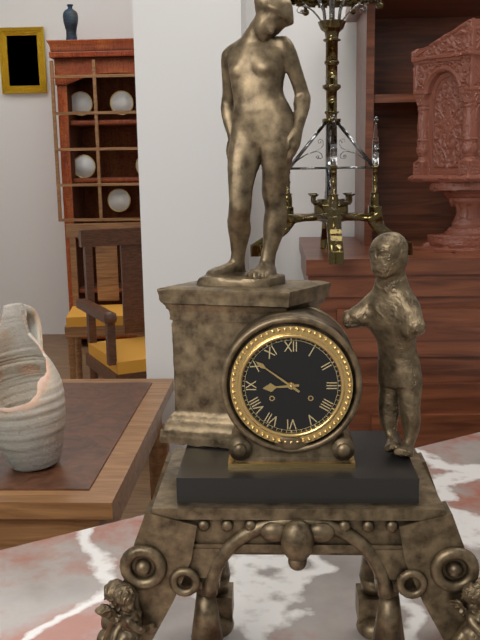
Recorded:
**8:51**
